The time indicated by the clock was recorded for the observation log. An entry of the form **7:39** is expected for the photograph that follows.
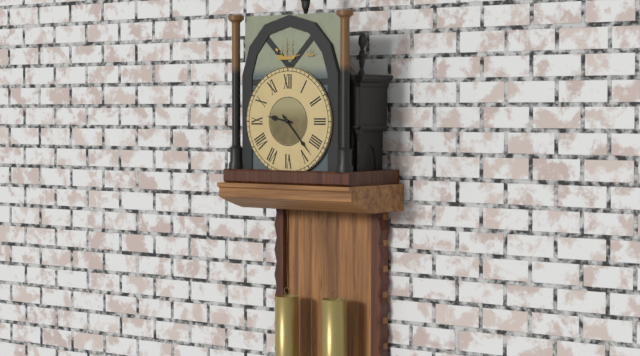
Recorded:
**9:23**
